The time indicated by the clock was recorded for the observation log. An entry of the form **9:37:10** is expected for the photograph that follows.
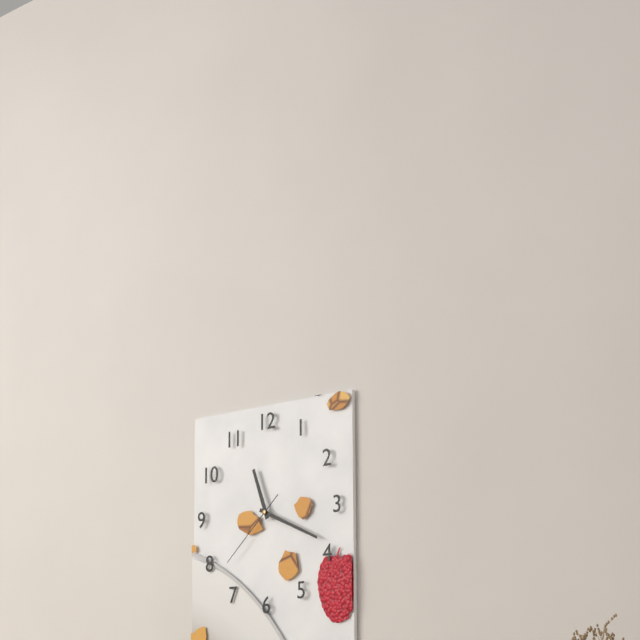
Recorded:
**11:19:38**
